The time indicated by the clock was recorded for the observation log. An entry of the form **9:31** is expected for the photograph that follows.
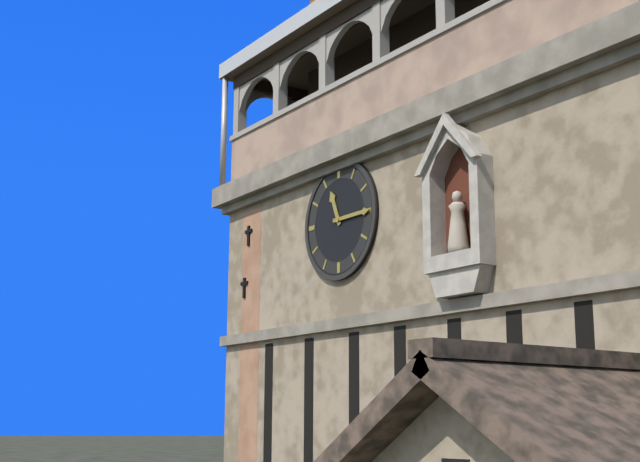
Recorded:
**11:15**
